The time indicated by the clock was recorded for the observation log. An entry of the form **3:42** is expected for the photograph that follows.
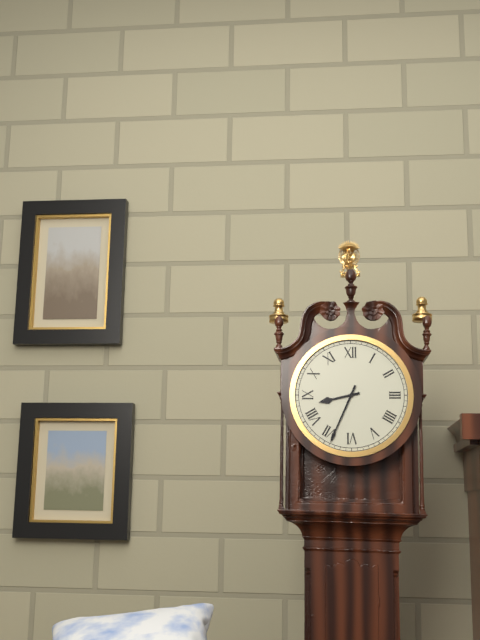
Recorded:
**8:34**
